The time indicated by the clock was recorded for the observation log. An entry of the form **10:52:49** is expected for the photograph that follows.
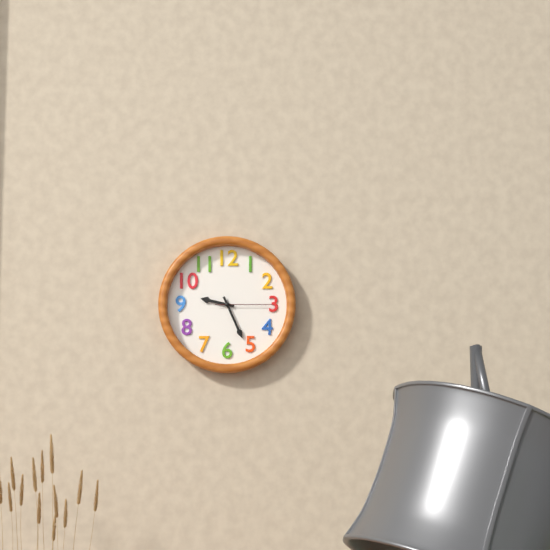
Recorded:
**9:26:15**
